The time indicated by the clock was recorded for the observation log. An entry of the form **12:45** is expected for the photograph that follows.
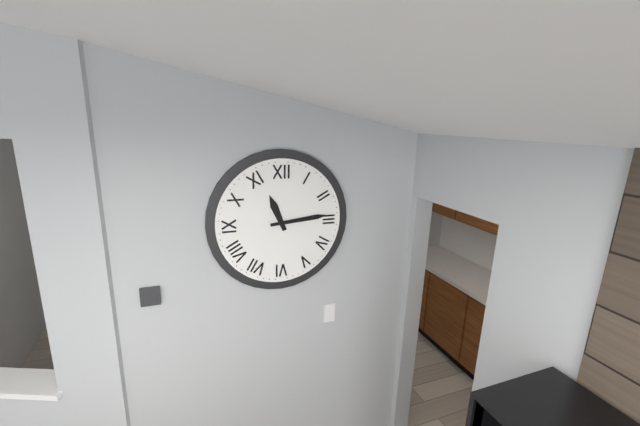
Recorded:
**11:14**
